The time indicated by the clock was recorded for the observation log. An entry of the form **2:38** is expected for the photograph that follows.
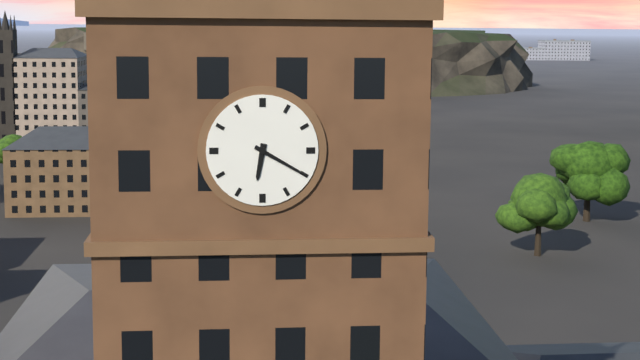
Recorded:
**6:20**
